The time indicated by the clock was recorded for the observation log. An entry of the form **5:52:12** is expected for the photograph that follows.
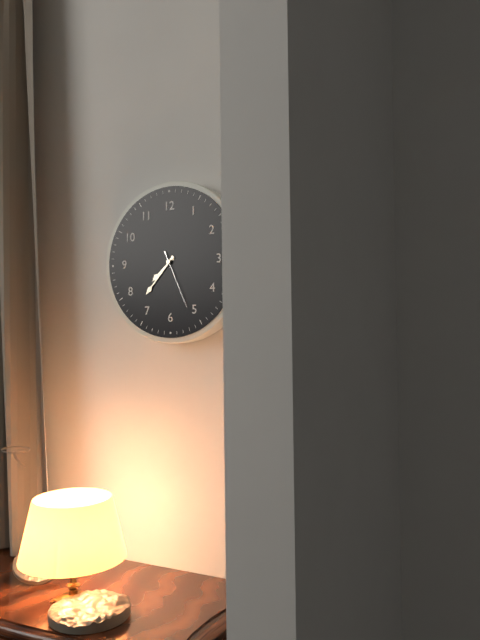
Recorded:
**7:37:26**
